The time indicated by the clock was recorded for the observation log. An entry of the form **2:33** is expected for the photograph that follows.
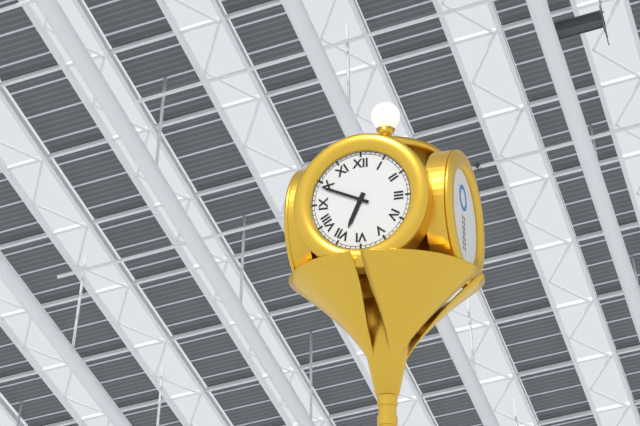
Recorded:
**6:49**
